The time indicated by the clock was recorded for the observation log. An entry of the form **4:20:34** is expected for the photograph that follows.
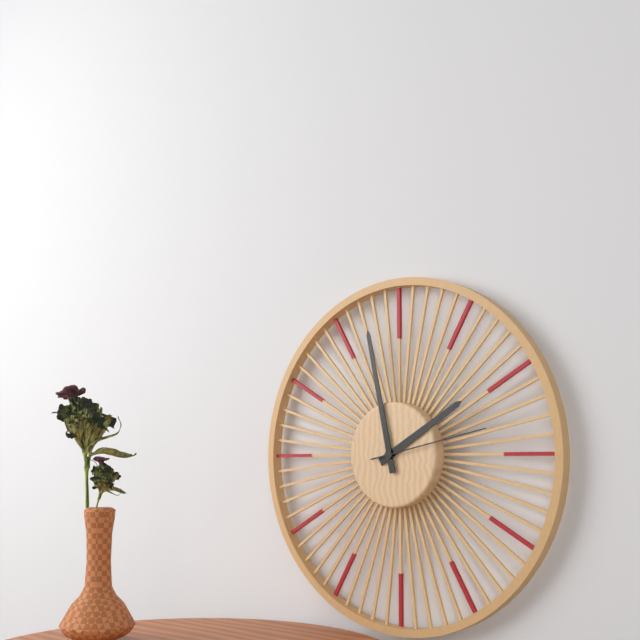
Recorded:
**1:58:13**
